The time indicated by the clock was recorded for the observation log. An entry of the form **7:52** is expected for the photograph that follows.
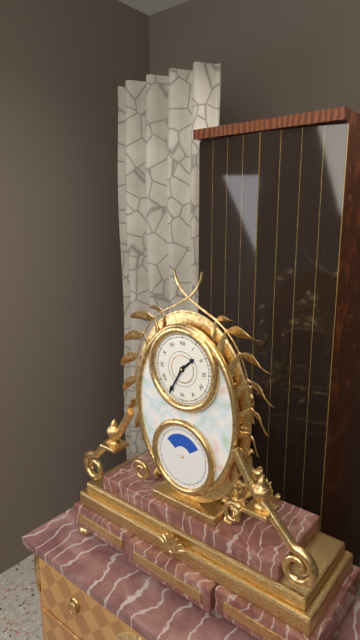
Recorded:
**1:35**
